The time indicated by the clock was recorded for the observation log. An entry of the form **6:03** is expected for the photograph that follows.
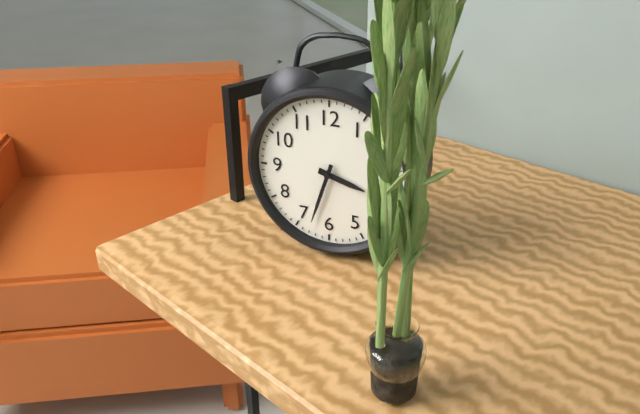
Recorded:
**3:33**
